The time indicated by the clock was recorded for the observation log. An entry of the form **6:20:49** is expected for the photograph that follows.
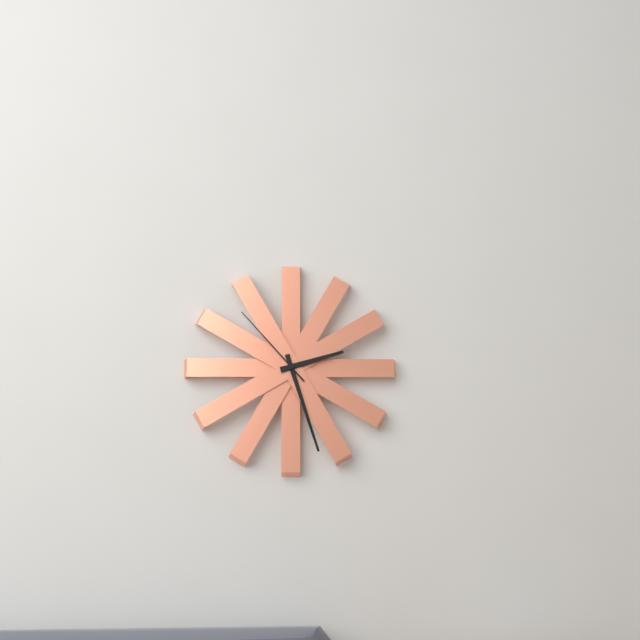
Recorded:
**2:27:53**
